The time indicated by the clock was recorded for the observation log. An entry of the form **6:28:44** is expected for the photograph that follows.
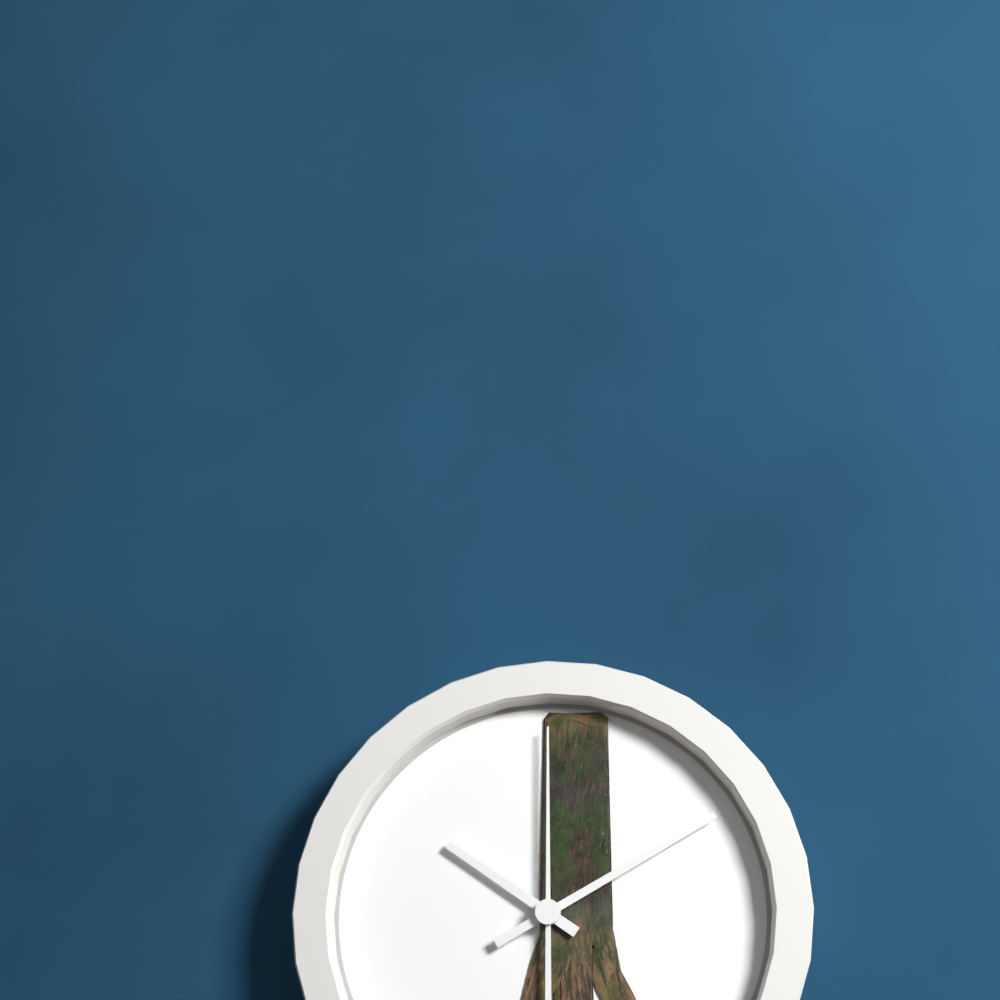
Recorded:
**10:10:00**
